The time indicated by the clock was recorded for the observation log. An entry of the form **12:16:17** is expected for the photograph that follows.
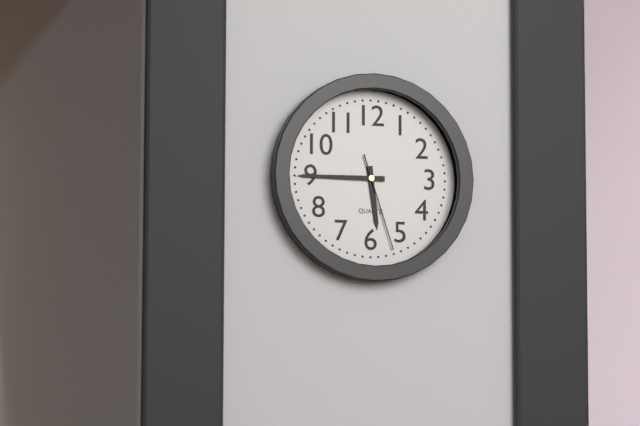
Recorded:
**5:45:27**
